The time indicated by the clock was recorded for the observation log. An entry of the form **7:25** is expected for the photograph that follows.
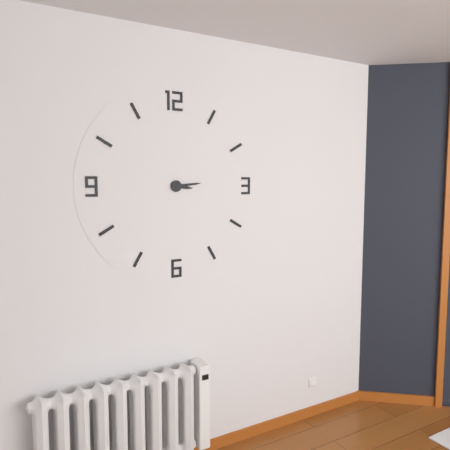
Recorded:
**3:14**
